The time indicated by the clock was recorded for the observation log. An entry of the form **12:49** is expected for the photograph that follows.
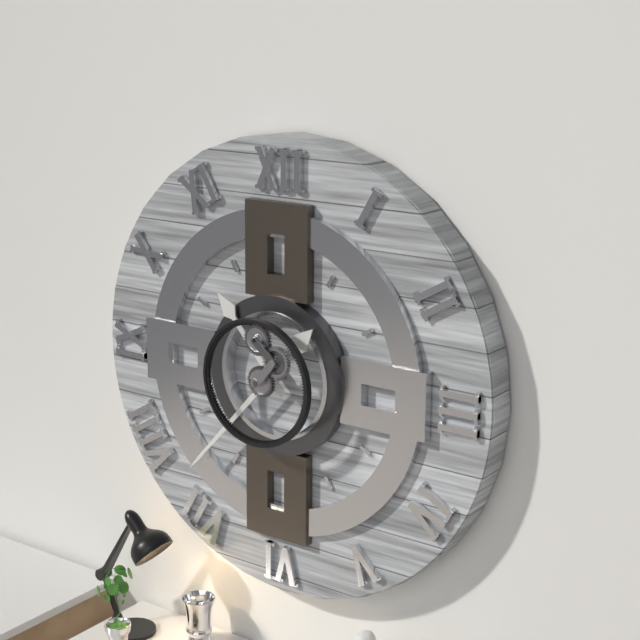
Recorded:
**10:37**
